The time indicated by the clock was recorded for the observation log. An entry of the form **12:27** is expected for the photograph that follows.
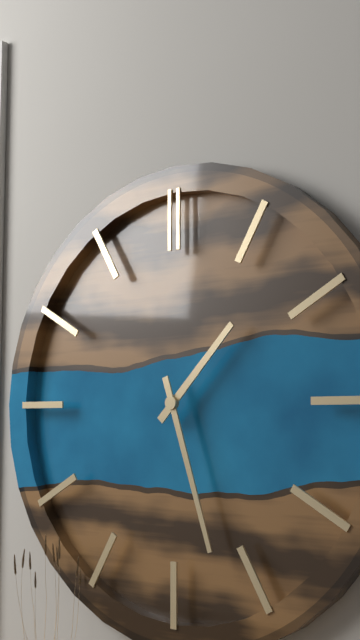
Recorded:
**1:27**
